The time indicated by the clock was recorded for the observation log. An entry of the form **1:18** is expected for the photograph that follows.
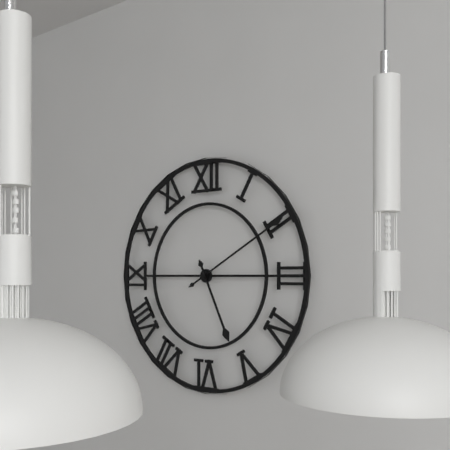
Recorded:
**5:10**
